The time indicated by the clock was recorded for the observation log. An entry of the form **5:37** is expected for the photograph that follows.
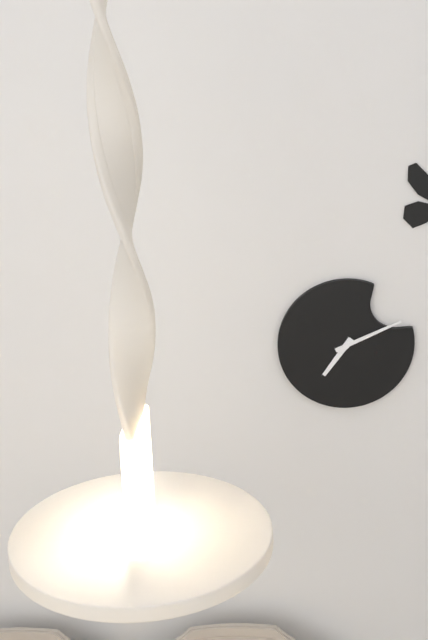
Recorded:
**7:11**
